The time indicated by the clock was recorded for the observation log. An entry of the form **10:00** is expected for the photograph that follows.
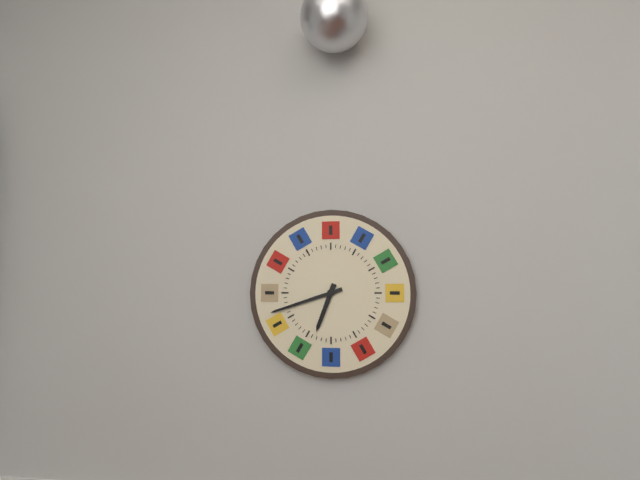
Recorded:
**6:42**
